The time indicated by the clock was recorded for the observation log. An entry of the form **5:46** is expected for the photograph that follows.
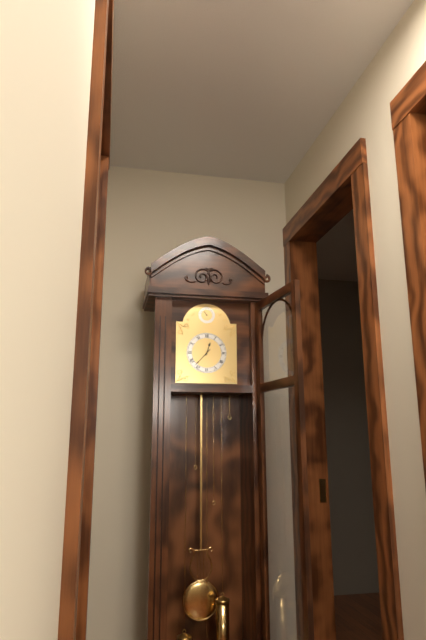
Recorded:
**12:37**
